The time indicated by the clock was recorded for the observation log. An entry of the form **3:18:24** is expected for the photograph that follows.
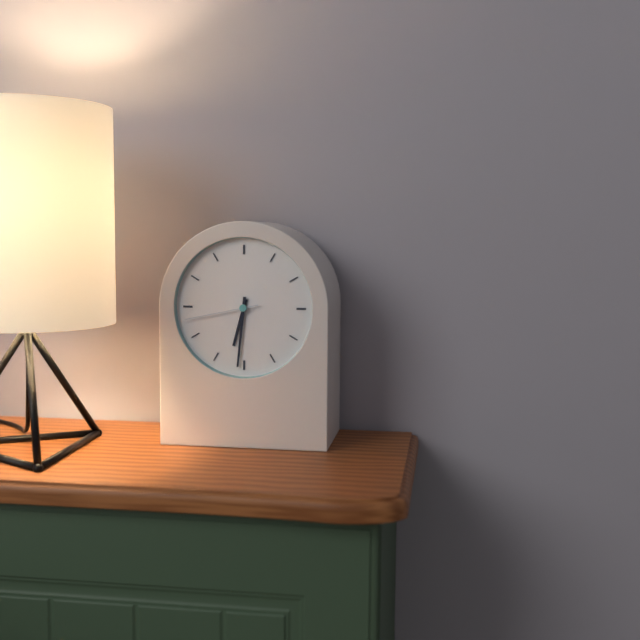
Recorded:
**6:31:43**
